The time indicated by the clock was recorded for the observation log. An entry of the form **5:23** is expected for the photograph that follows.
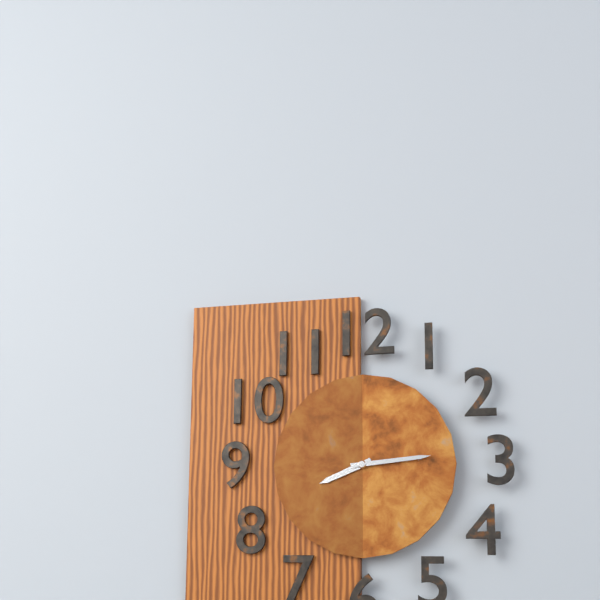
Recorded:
**8:14**
